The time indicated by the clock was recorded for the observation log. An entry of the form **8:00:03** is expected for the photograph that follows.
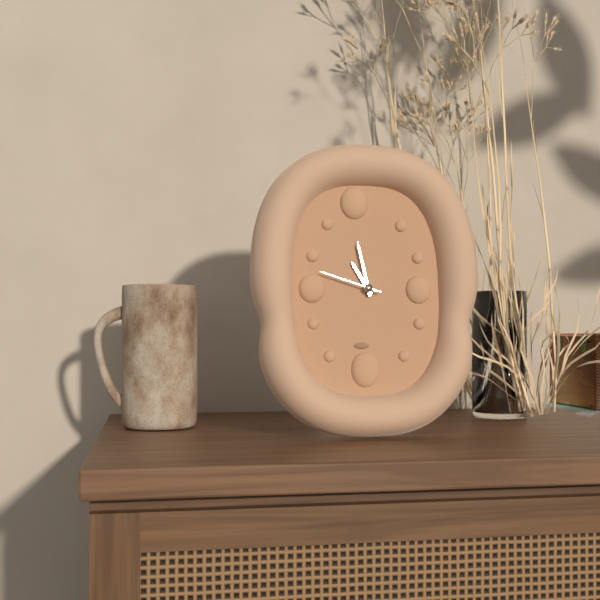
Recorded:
**10:58:48**
